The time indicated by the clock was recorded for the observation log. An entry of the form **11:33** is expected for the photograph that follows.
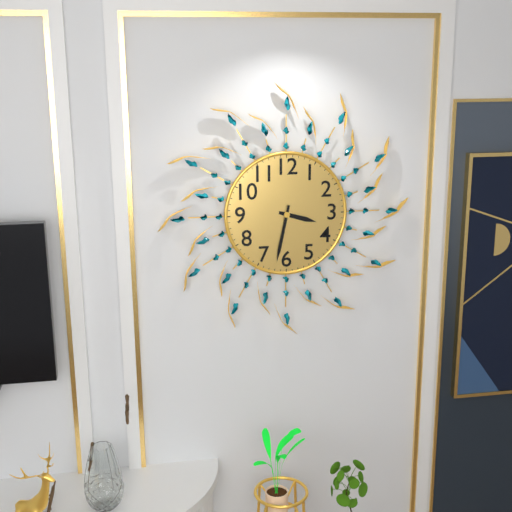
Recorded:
**3:32**
